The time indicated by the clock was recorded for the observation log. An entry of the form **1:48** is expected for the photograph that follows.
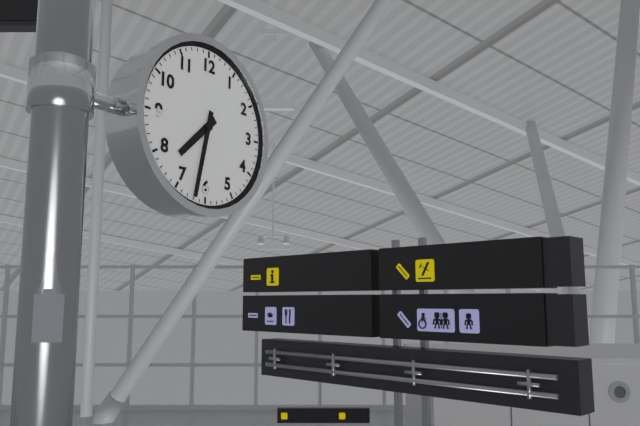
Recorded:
**7:32**
